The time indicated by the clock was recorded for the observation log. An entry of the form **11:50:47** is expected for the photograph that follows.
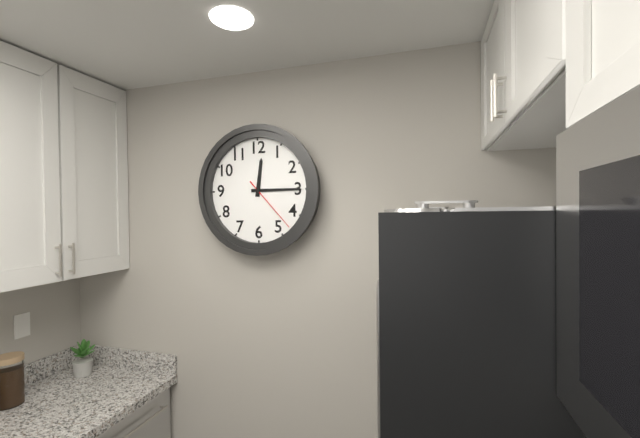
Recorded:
**12:15:23**
